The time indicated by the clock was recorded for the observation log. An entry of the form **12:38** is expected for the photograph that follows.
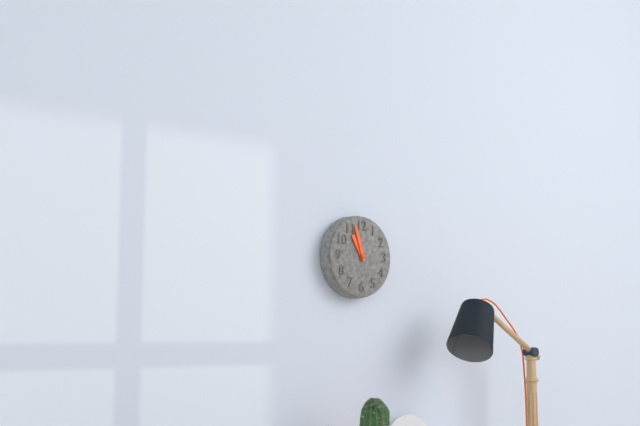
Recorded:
**10:57**
